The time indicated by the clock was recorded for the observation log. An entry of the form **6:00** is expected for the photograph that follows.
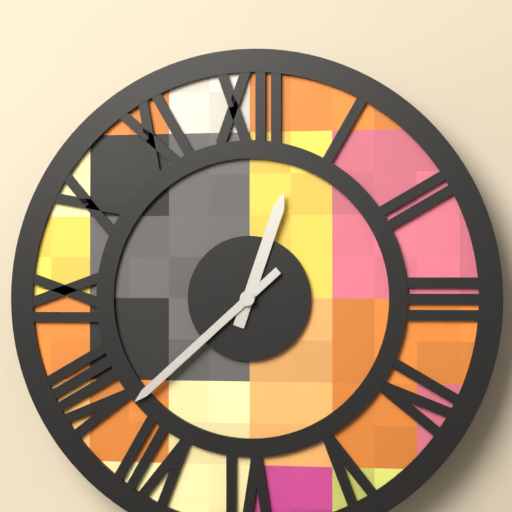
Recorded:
**12:38**
